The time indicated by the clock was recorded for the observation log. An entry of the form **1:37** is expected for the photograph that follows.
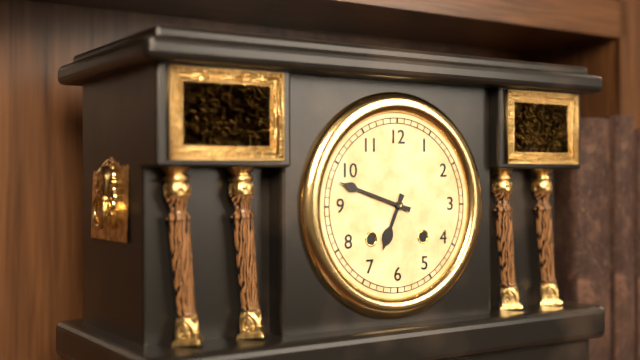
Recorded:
**6:48**
